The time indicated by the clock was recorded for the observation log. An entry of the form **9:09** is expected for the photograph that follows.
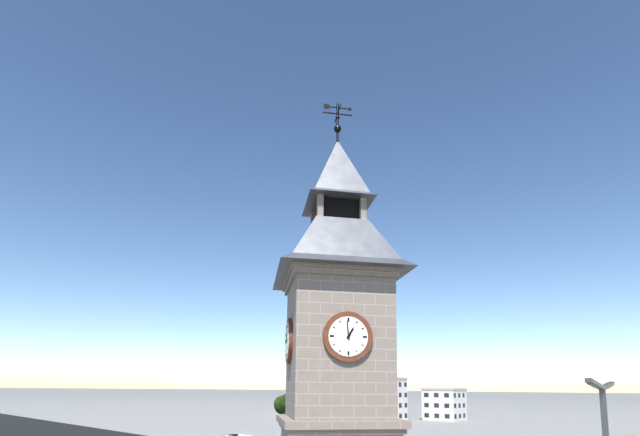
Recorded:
**12:59**
